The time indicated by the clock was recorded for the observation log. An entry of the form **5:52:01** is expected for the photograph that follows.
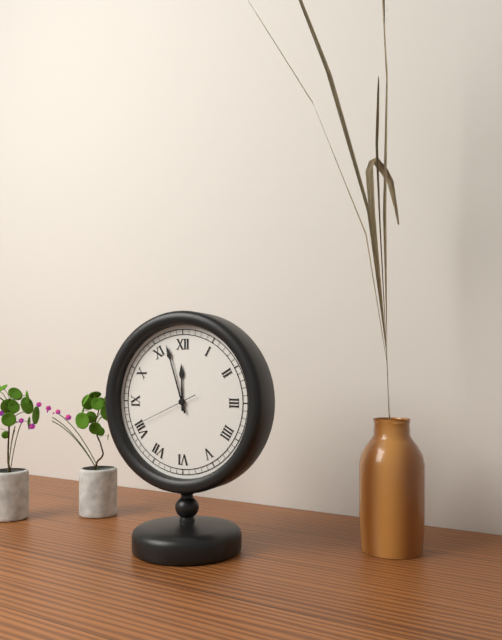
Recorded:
**11:57:41**
